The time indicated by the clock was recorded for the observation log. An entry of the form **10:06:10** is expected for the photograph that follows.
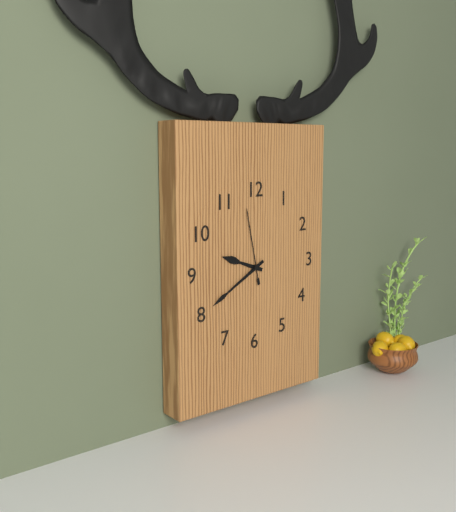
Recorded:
**9:40:58**
